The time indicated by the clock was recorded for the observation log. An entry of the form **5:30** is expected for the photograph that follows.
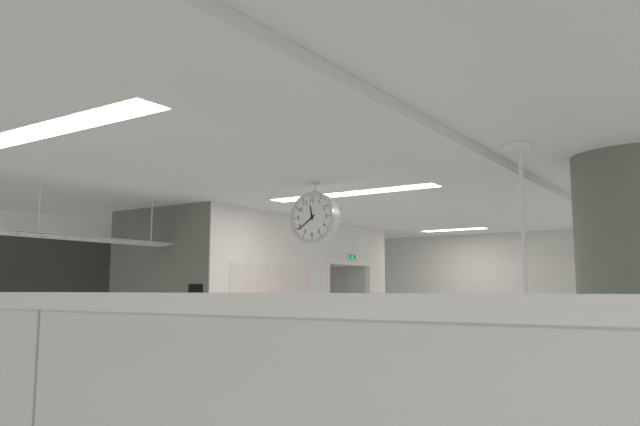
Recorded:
**11:39**
